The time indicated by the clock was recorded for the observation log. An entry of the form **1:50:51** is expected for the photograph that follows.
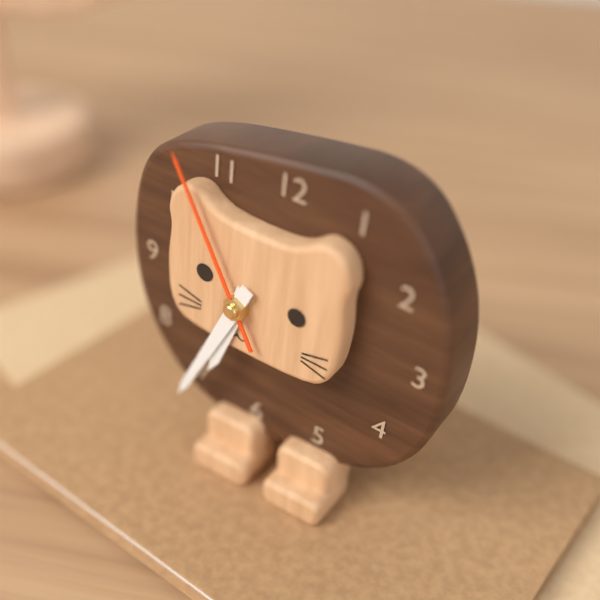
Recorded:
**6:34:55**
